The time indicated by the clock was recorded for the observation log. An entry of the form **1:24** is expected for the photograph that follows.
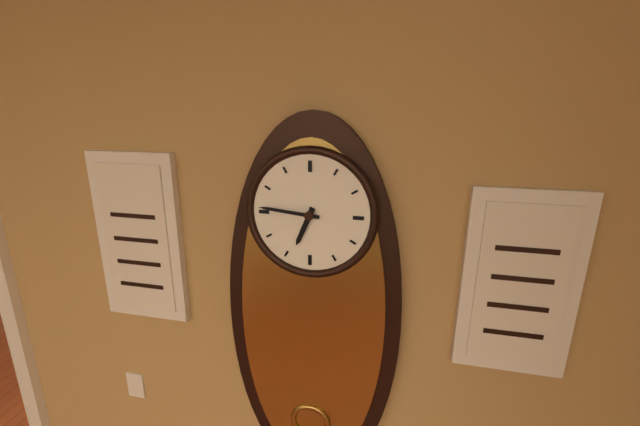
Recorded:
**6:46**
